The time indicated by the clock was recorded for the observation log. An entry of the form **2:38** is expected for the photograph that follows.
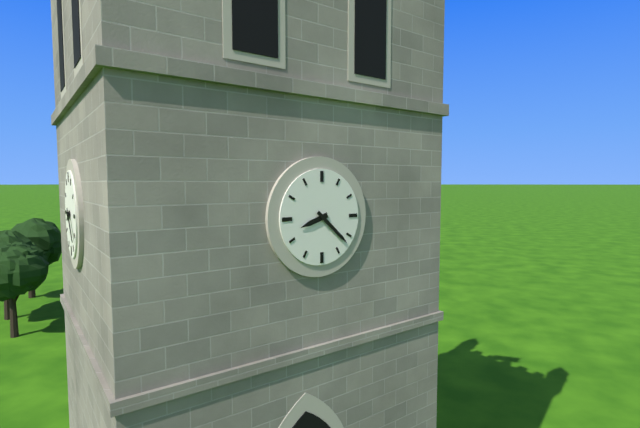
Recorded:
**8:22**
